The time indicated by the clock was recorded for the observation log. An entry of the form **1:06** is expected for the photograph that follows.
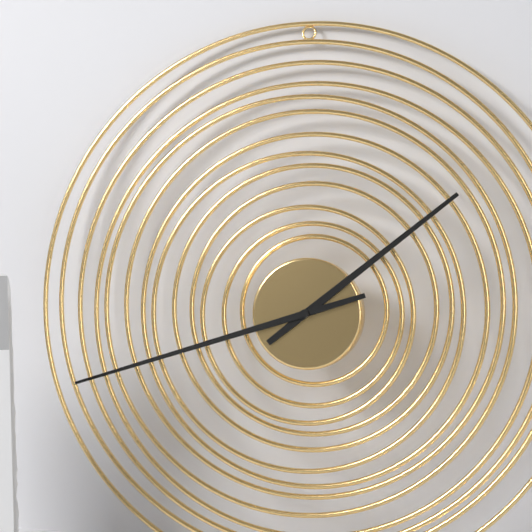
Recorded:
**1:42**
